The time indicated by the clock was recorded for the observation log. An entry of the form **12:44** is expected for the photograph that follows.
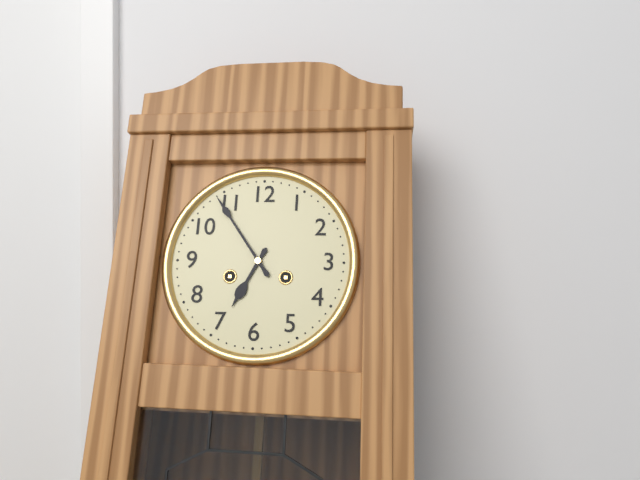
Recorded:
**6:54**
